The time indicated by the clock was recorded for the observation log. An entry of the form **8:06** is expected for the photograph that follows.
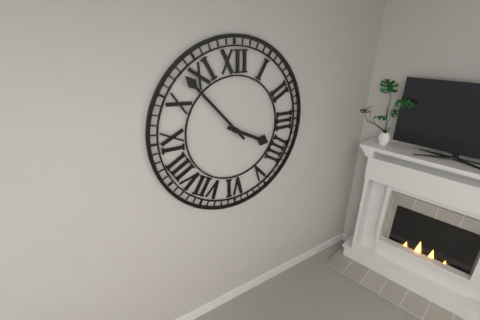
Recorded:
**3:53**
